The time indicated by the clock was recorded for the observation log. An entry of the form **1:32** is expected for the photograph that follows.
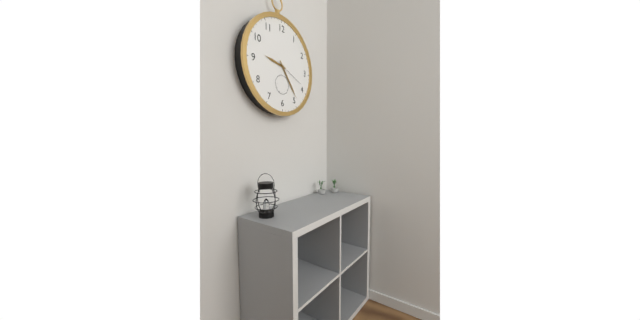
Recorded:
**9:24**
